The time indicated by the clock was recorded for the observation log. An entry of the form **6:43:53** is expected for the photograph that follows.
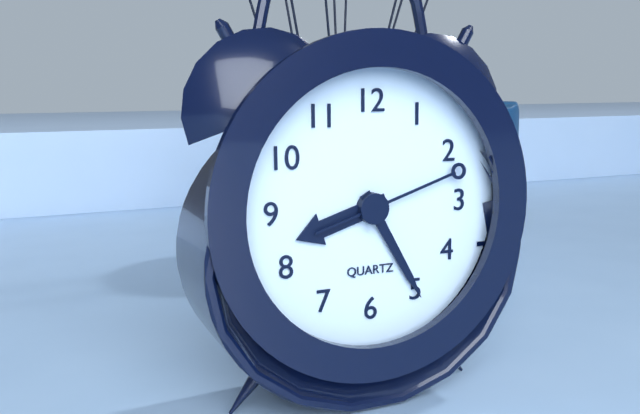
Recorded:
**8:25:12**
